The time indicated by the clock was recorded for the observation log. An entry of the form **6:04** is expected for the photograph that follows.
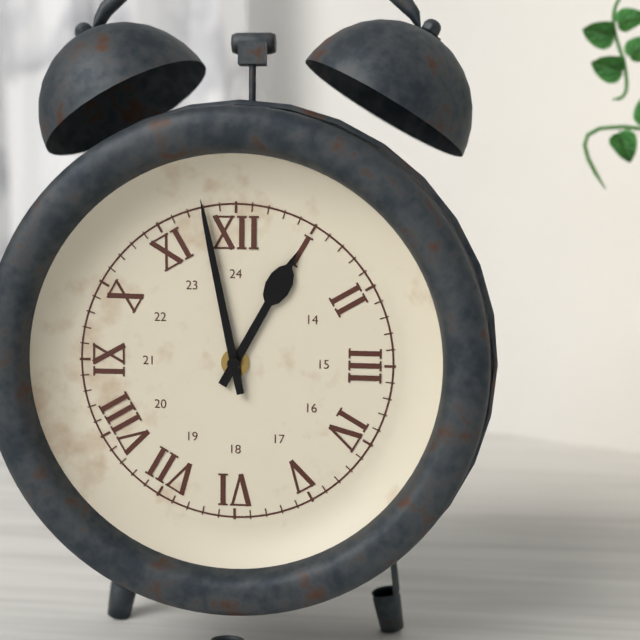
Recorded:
**12:58**
